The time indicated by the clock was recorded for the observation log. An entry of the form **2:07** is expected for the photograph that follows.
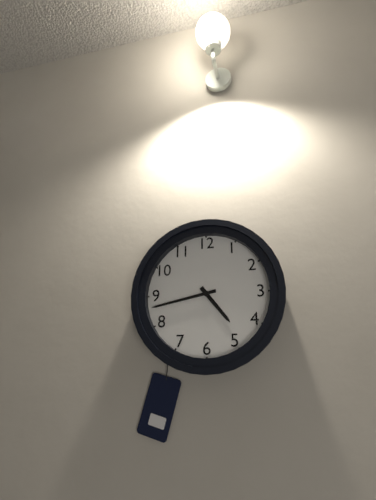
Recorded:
**4:43**
